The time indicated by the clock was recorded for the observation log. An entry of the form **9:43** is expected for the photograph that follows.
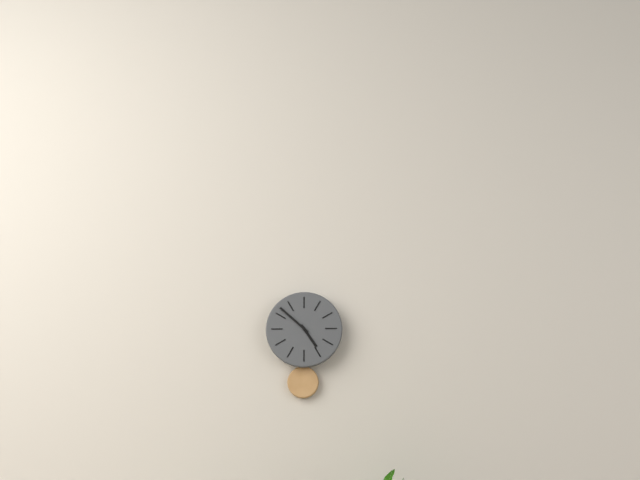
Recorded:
**4:52**
